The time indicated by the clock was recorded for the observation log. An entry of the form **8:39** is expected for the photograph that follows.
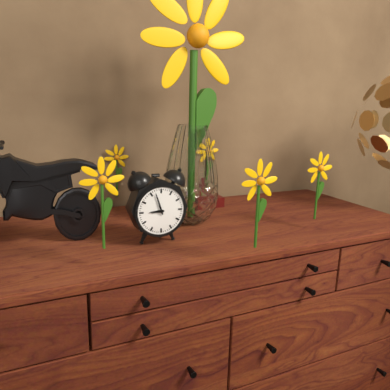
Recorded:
**8:57**
